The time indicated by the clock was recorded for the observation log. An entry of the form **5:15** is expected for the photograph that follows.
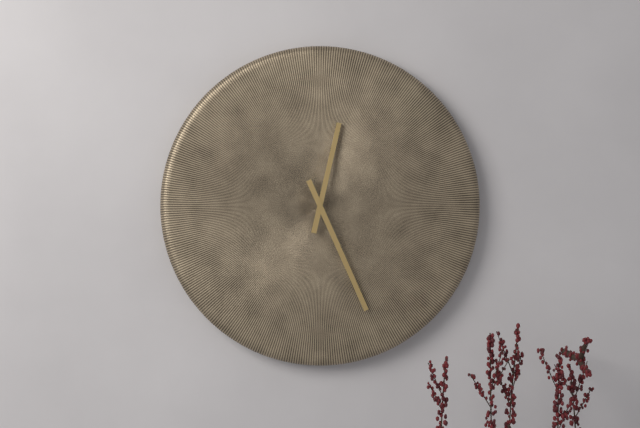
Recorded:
**12:26**
